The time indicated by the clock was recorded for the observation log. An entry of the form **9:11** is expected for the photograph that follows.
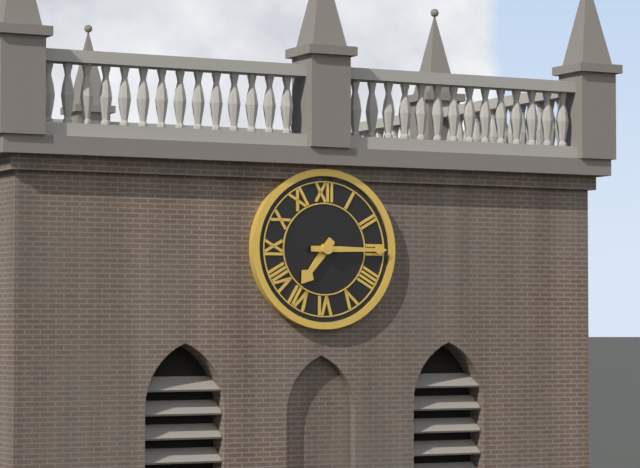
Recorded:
**7:15**
